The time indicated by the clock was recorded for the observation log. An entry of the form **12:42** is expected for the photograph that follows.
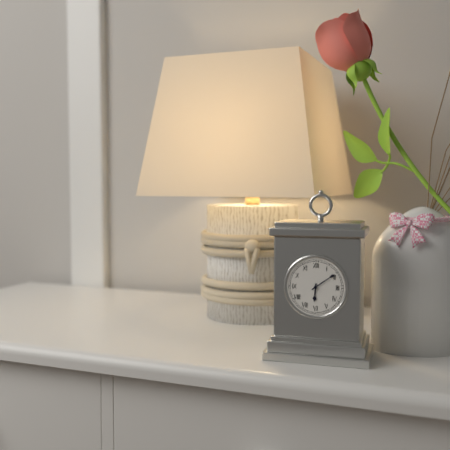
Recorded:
**6:09**
